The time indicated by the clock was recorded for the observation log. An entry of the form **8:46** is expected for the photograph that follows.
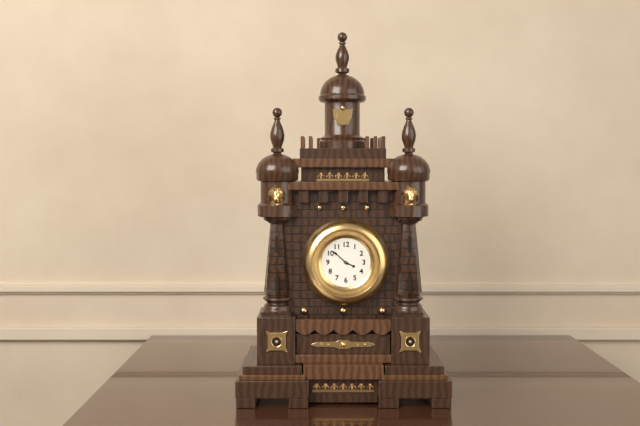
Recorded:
**3:52**
